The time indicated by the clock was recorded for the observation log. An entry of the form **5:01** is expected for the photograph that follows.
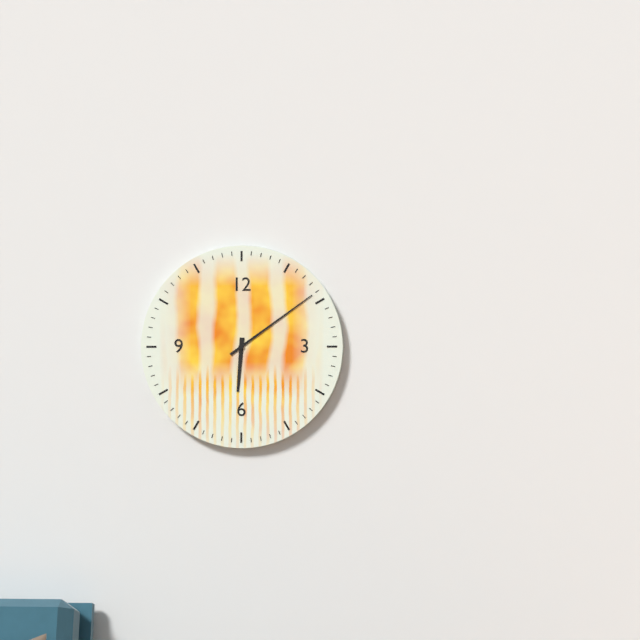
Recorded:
**6:09**
